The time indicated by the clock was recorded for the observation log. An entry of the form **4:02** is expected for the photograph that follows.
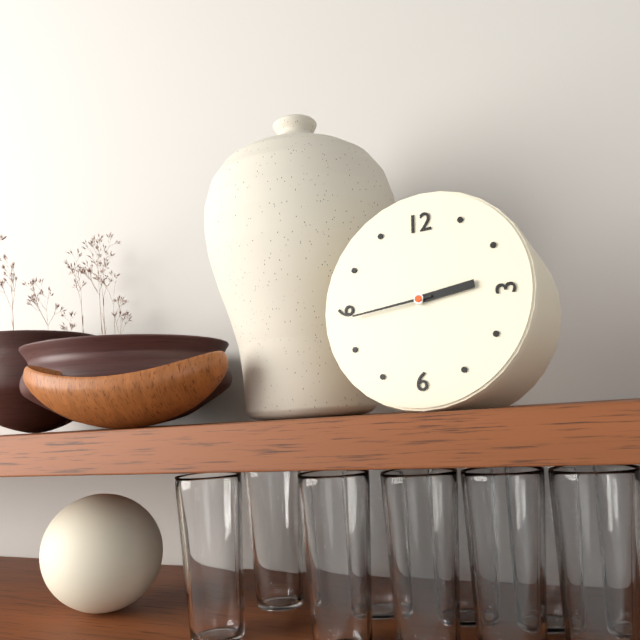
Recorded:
**2:44**
